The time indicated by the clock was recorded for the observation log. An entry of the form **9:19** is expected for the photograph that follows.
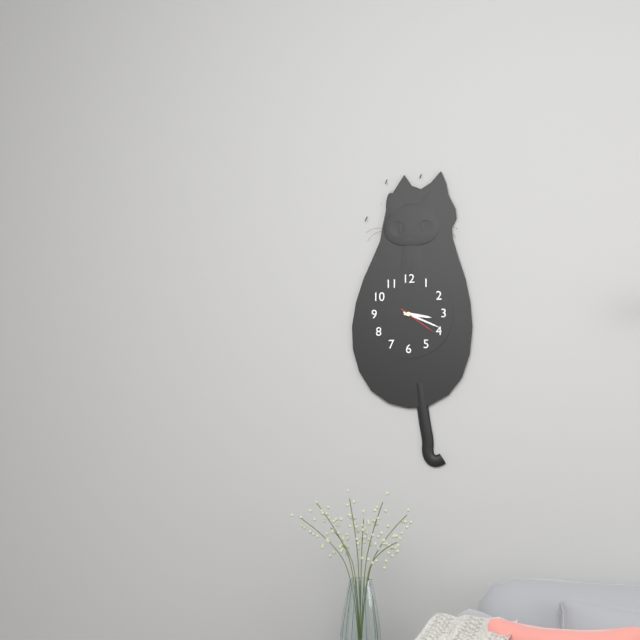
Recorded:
**3:19**
